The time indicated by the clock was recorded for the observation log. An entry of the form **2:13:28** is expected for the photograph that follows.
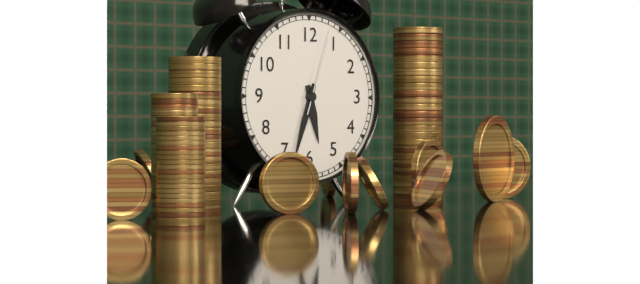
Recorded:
**5:33:03**
